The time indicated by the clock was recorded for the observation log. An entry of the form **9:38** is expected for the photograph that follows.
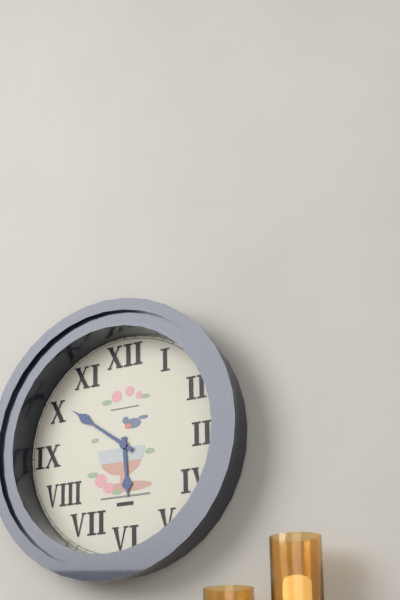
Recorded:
**5:51**
